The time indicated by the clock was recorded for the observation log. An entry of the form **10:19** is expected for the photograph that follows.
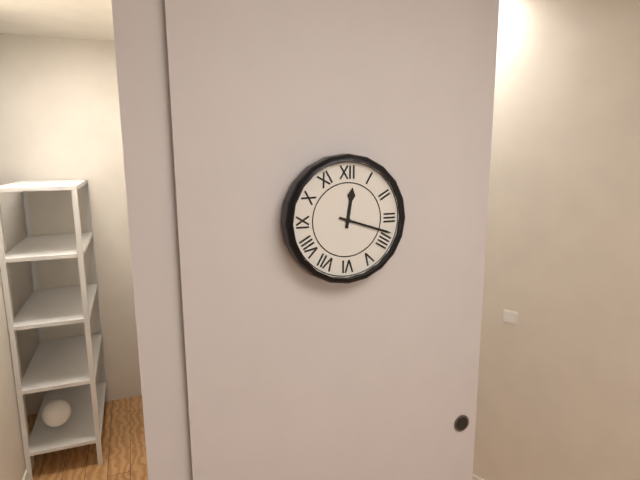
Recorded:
**12:18**
